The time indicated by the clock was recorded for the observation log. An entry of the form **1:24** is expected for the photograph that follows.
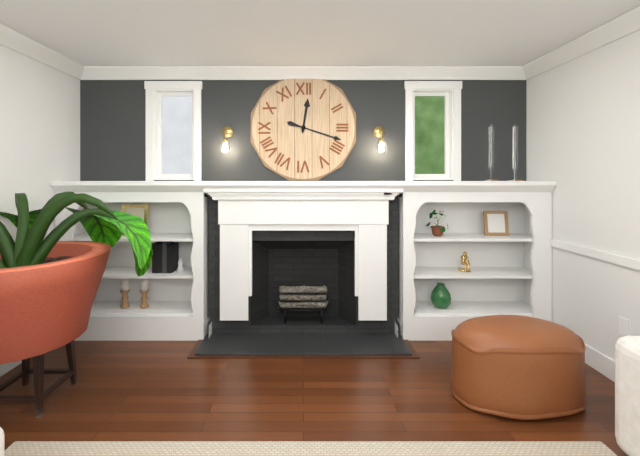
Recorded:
**12:18**
